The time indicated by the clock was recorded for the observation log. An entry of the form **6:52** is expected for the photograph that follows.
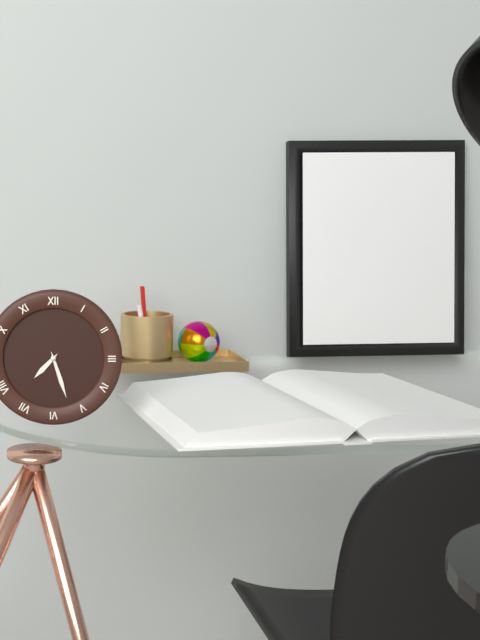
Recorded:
**7:27**
